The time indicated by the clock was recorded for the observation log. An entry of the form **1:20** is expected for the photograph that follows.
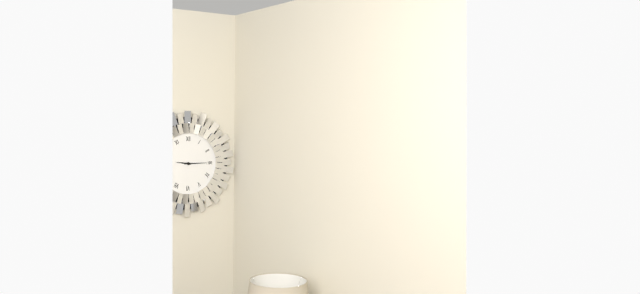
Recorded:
**9:15**
